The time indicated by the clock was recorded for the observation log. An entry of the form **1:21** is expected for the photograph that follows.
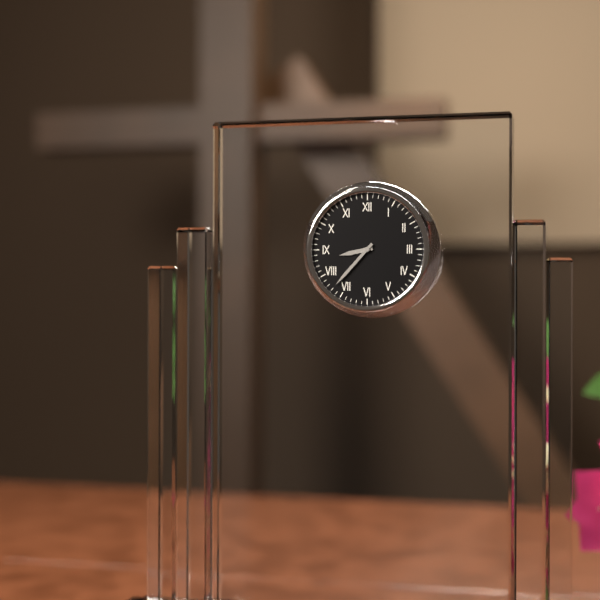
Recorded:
**8:37**
